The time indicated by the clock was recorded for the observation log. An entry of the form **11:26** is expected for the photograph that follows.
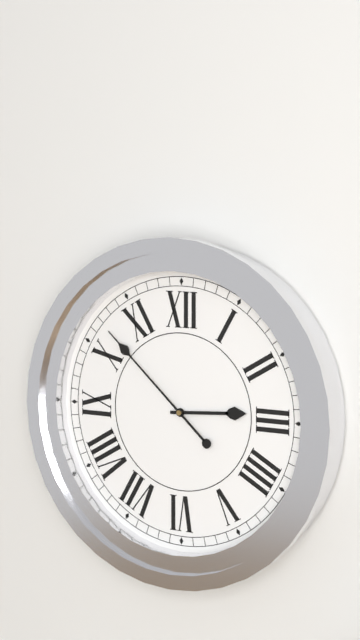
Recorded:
**2:52**
